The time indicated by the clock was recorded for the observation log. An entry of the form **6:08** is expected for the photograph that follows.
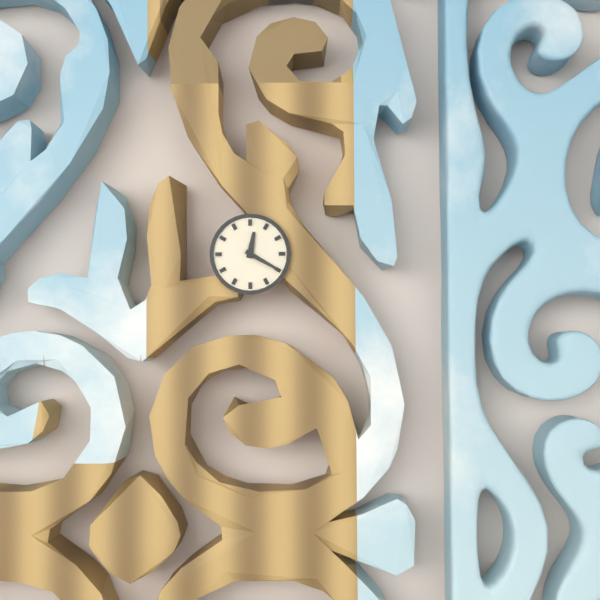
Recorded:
**12:20**
